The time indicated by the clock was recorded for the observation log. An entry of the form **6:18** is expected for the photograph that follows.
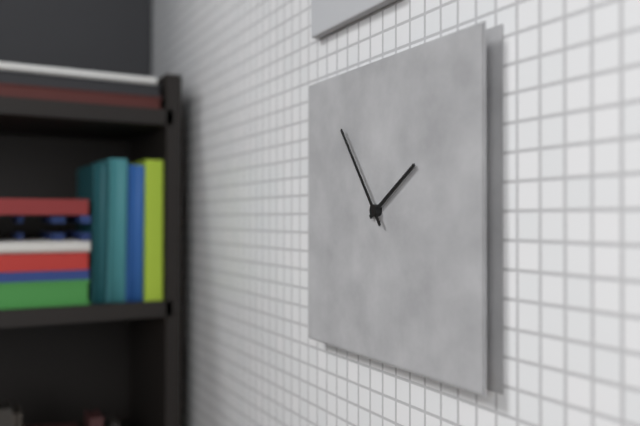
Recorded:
**1:54**
